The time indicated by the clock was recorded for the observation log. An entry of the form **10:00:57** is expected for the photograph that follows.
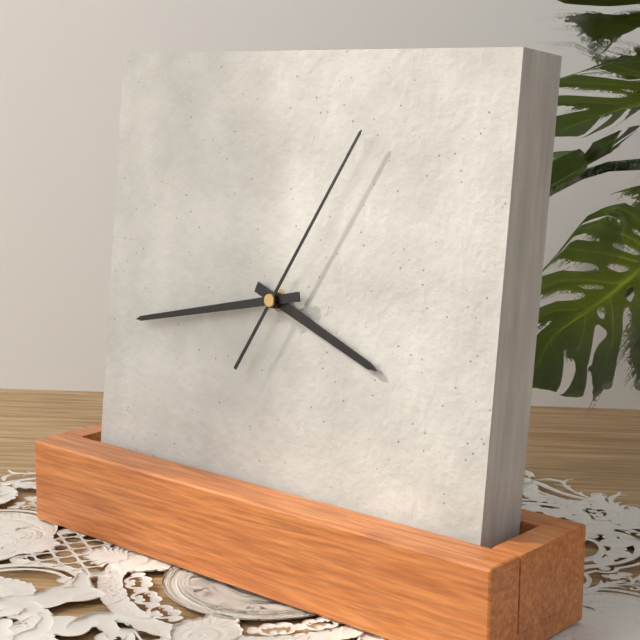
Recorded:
**3:43:05**
